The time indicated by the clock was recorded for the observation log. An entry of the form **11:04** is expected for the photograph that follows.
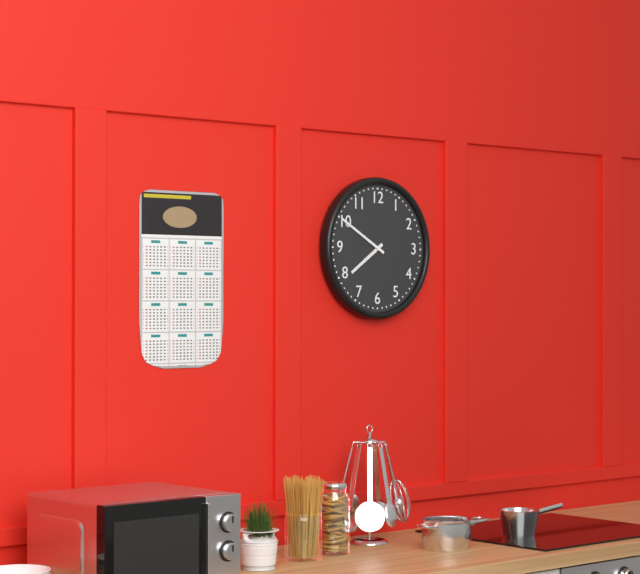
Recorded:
**7:50**
